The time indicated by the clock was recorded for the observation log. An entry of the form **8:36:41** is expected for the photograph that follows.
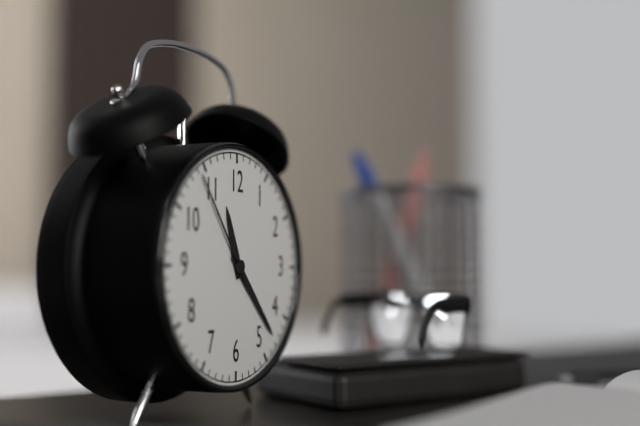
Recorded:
**11:23:54**
